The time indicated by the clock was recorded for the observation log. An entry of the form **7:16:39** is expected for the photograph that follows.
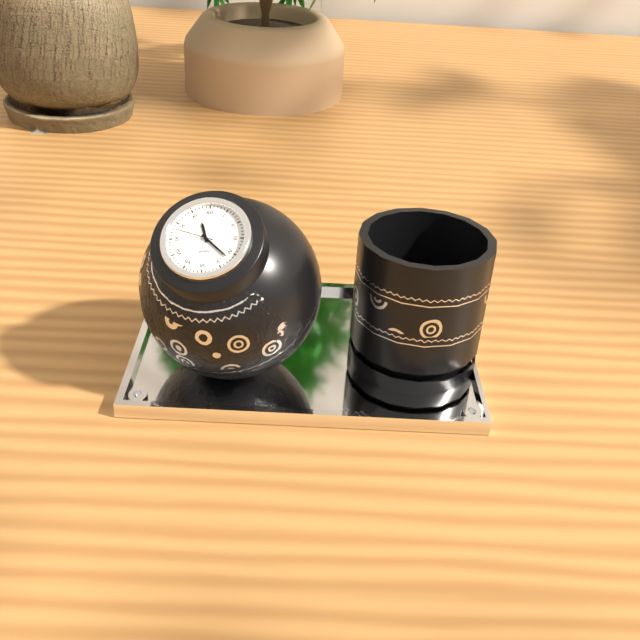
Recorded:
**11:22:48**
